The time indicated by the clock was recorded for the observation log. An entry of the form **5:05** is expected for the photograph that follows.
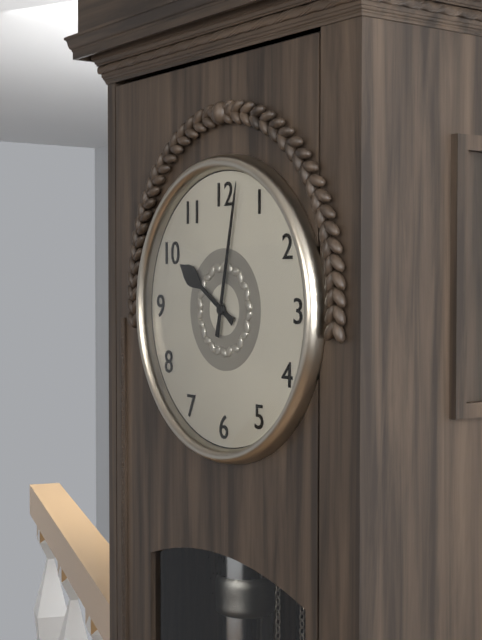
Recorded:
**10:02**
